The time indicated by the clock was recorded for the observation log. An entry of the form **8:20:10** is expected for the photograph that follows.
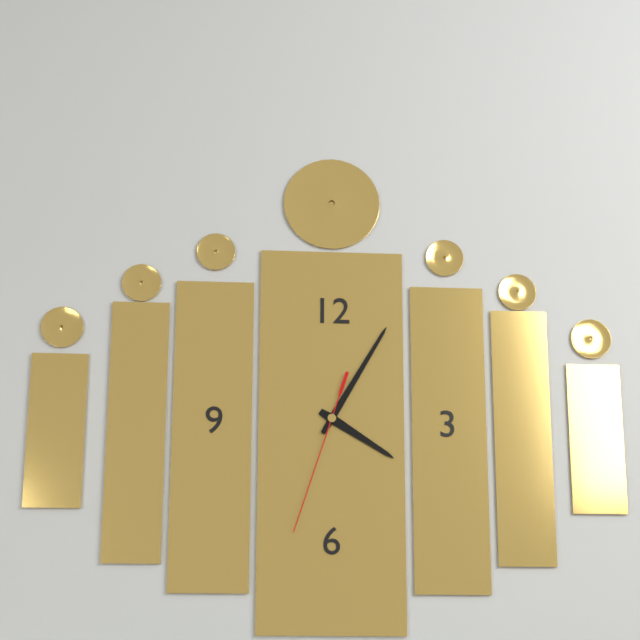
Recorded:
**4:05:33**
